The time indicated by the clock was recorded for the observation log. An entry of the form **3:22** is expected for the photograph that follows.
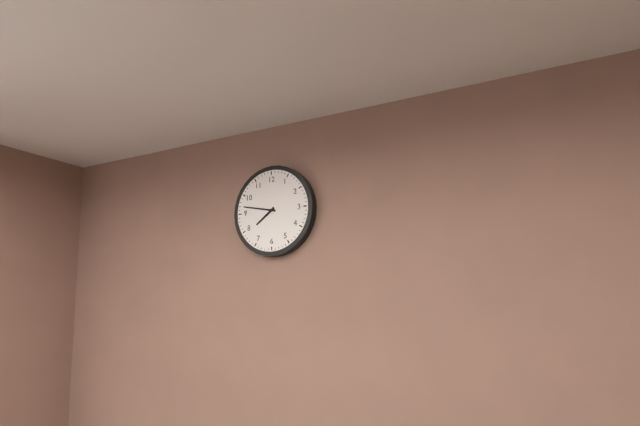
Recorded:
**7:47**
